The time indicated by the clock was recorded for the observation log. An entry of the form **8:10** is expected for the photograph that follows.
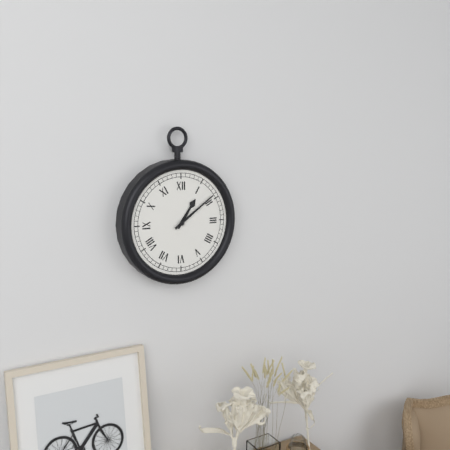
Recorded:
**1:09**
